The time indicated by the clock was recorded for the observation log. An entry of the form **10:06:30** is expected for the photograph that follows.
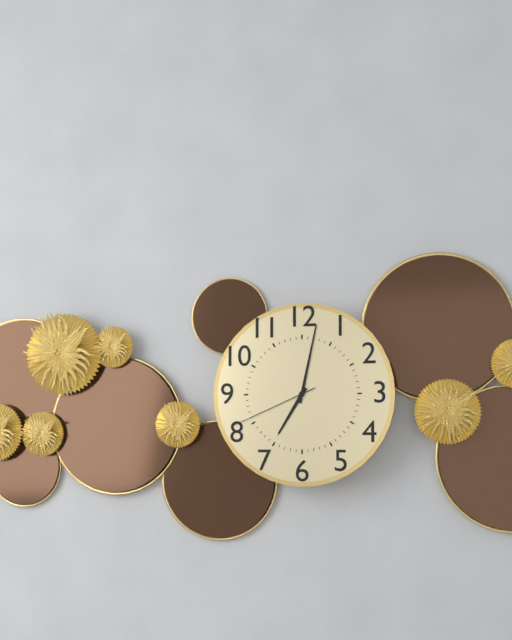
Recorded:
**7:02:41**
